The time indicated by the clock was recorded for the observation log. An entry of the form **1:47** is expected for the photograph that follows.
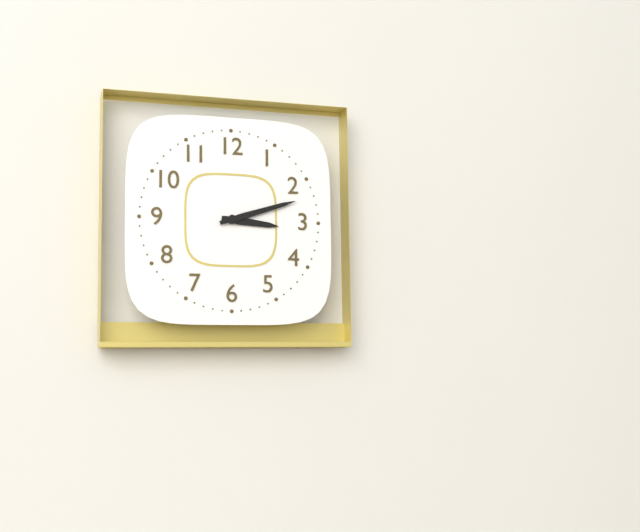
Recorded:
**3:12**
